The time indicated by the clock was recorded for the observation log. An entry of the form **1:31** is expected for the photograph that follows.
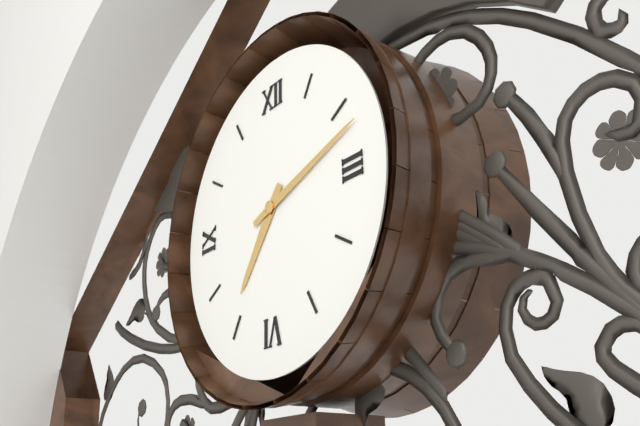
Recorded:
**7:12**
